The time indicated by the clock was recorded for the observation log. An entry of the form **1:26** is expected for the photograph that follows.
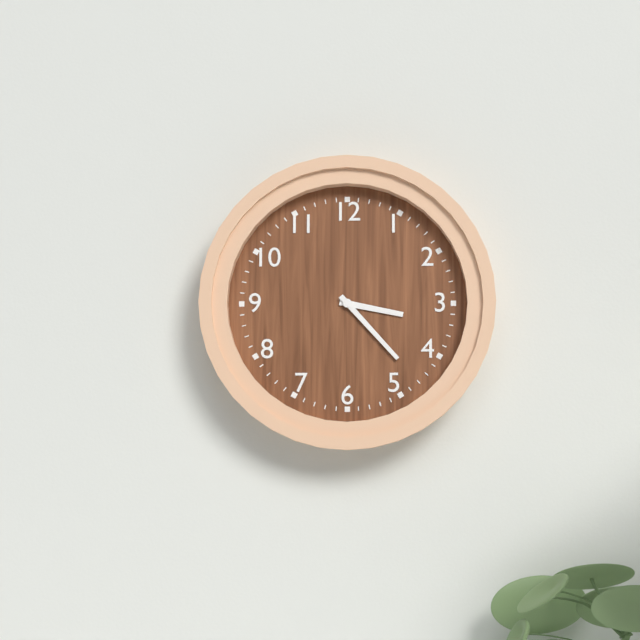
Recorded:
**3:23**
